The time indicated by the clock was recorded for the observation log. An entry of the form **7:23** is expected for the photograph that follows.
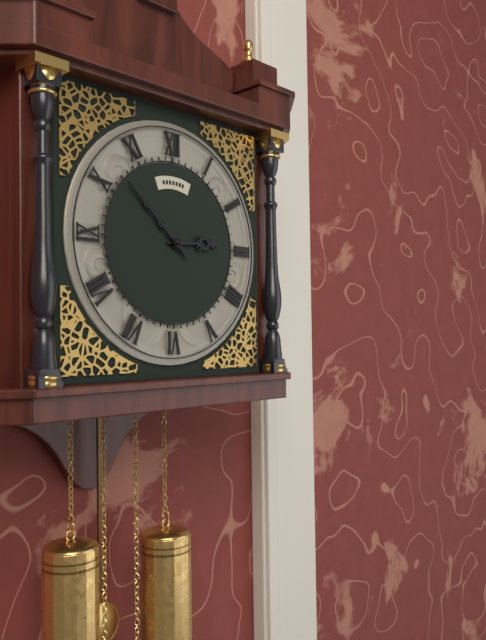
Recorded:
**2:52**
